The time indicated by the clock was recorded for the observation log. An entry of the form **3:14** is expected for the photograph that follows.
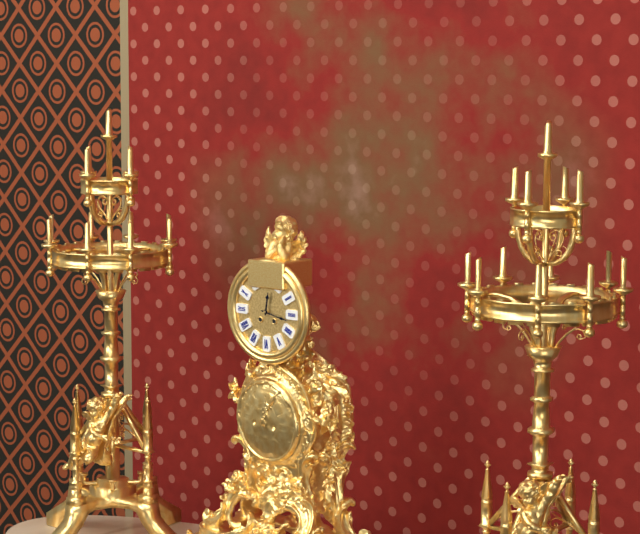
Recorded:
**12:17**
